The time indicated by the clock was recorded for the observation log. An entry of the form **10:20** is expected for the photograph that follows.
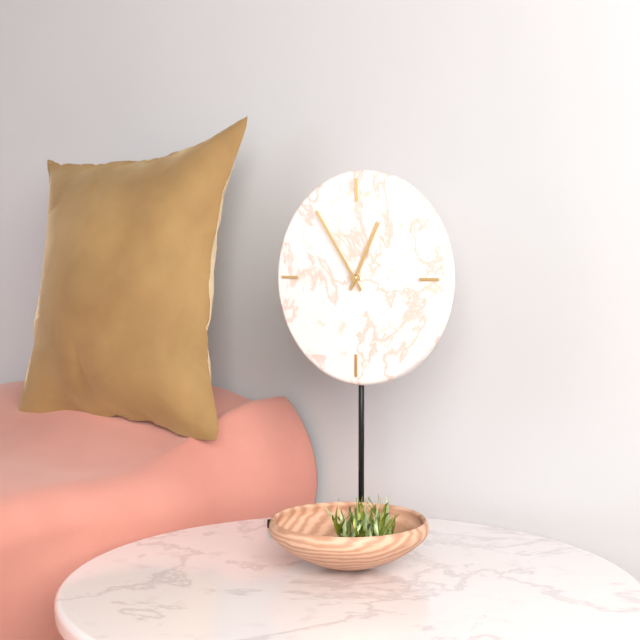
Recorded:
**12:54**
